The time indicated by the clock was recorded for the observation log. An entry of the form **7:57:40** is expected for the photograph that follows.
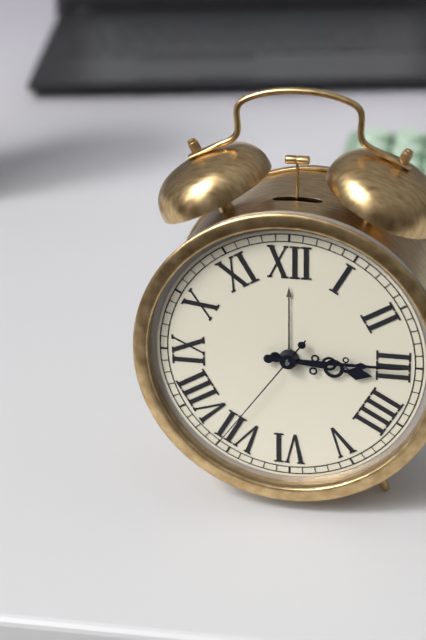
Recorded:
**3:15:36**
